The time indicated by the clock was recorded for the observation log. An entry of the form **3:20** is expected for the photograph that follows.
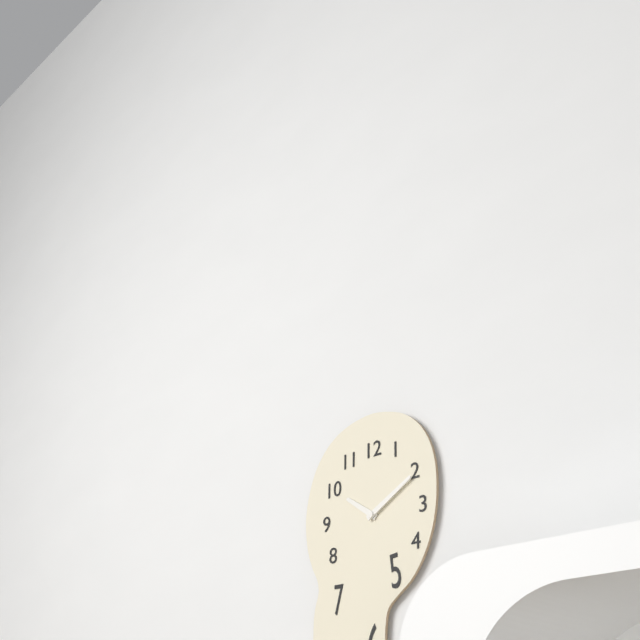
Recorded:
**10:10**
